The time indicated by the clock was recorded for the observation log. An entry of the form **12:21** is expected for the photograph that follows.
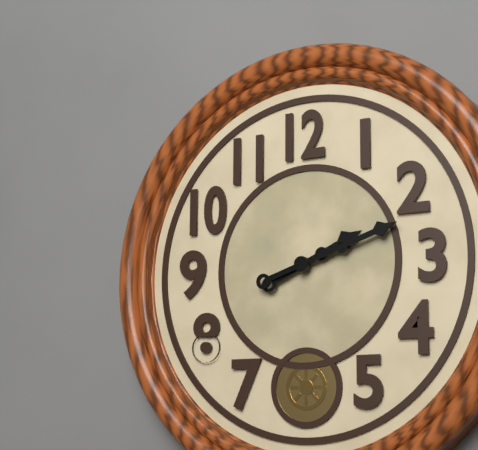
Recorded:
**2:12**
